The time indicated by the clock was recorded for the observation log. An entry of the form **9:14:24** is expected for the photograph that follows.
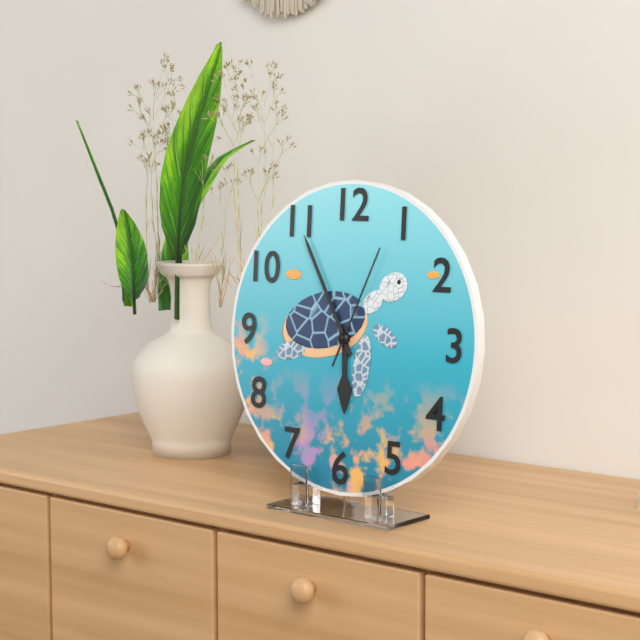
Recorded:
**5:55:04**
